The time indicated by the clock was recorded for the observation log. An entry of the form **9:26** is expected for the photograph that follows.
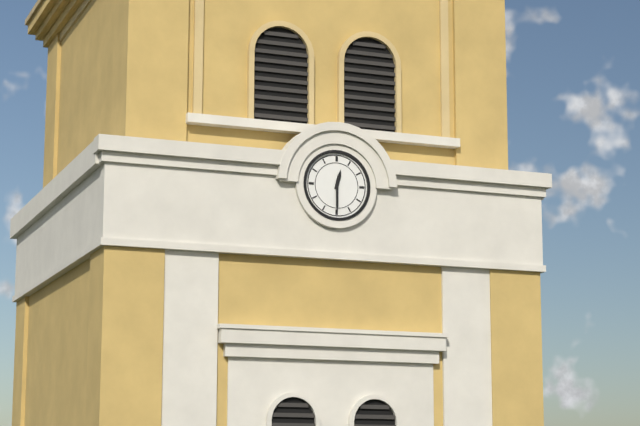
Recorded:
**12:30**
